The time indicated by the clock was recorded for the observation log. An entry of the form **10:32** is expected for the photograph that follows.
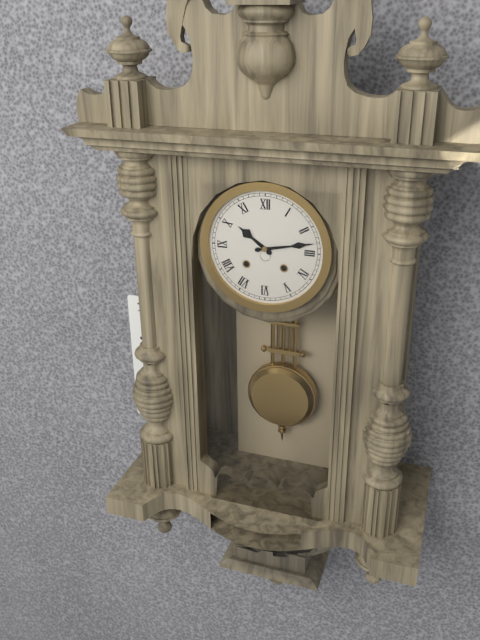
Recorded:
**10:13**
